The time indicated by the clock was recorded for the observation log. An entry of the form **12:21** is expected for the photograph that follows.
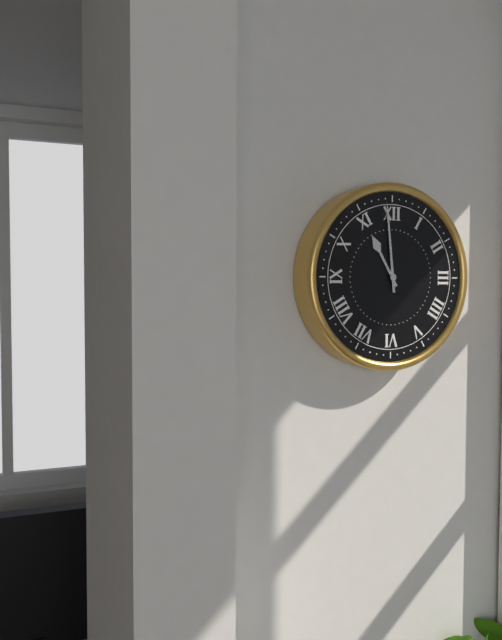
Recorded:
**10:59**
